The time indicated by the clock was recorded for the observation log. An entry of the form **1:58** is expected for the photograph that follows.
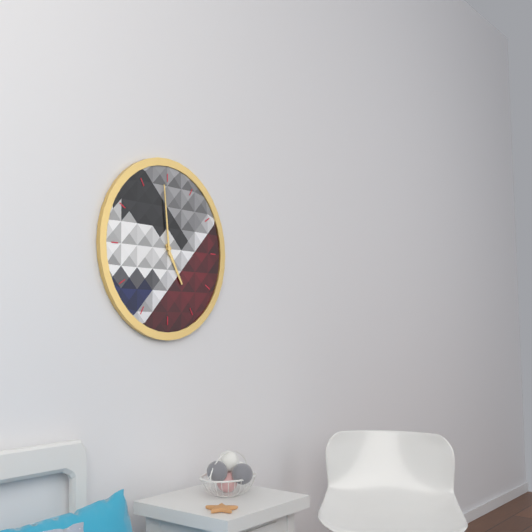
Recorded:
**4:59**
